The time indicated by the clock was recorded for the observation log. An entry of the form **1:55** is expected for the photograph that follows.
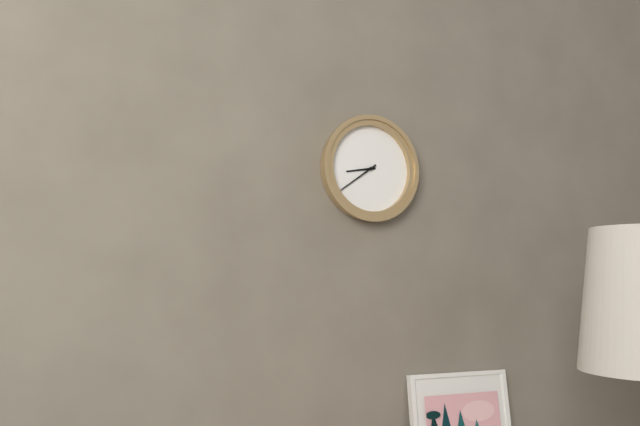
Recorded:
**8:39**
